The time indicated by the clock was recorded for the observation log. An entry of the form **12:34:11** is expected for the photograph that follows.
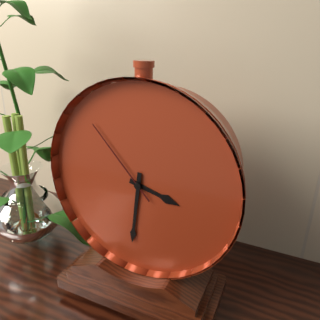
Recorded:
**3:31:53**
